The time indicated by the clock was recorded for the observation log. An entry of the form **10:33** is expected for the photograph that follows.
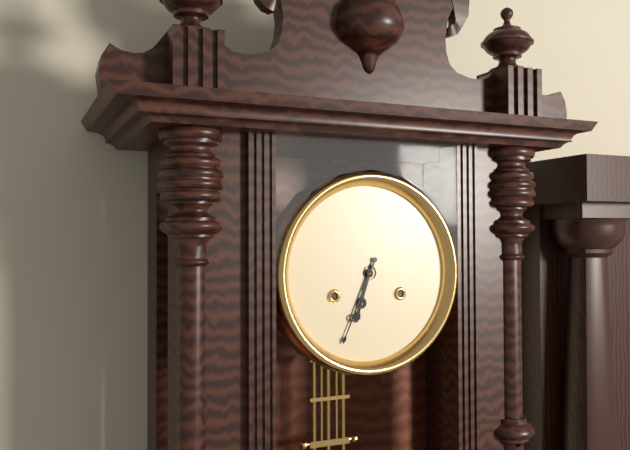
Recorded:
**6:34**
